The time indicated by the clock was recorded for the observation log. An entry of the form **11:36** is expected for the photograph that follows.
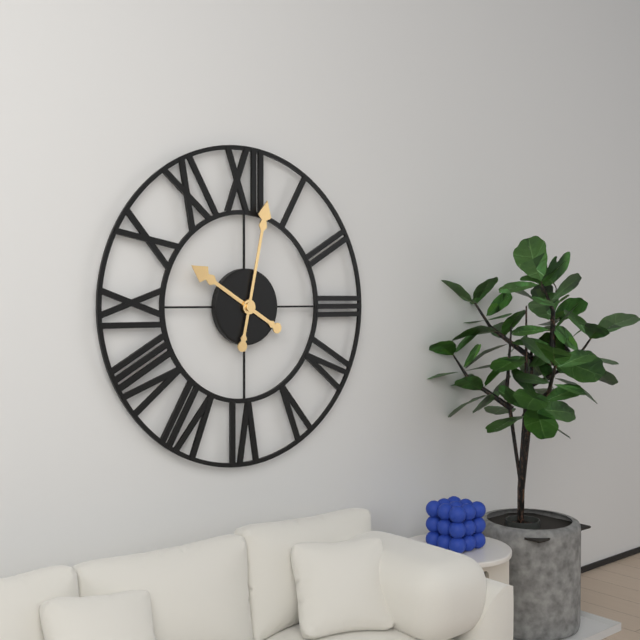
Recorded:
**10:02**
